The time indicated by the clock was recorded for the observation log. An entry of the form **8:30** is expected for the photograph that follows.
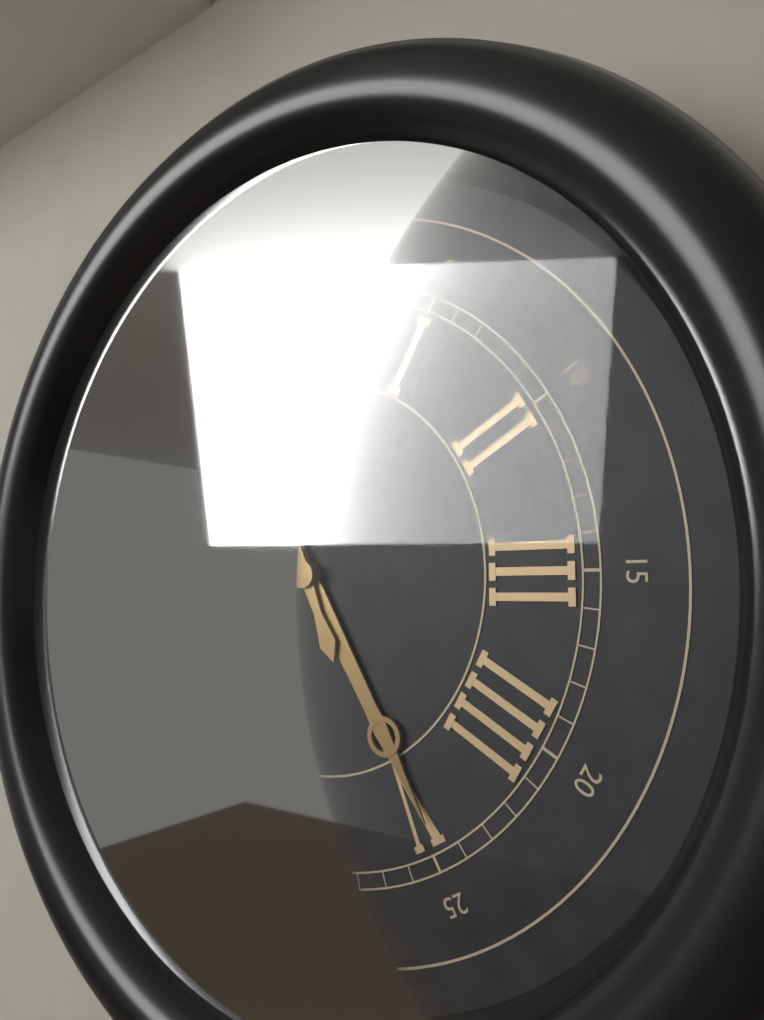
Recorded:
**4:56**
